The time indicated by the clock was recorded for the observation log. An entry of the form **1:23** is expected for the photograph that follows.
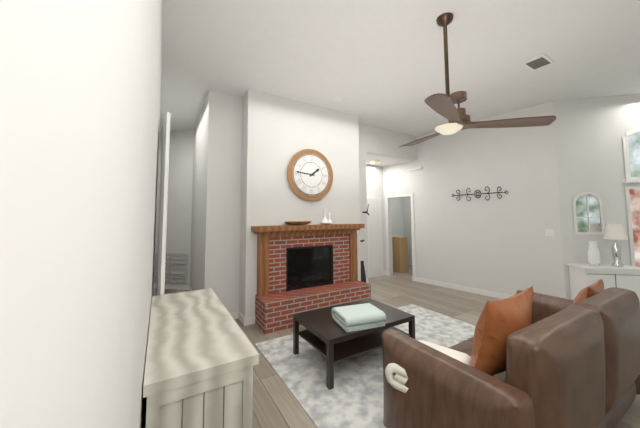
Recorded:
**1:46**
